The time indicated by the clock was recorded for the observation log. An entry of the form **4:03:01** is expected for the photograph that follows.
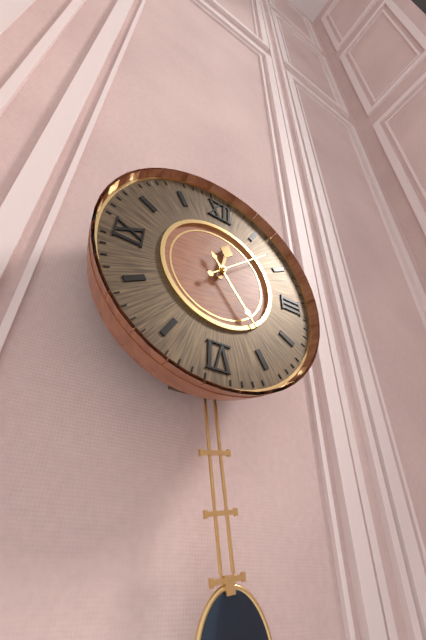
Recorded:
**12:24:08**
